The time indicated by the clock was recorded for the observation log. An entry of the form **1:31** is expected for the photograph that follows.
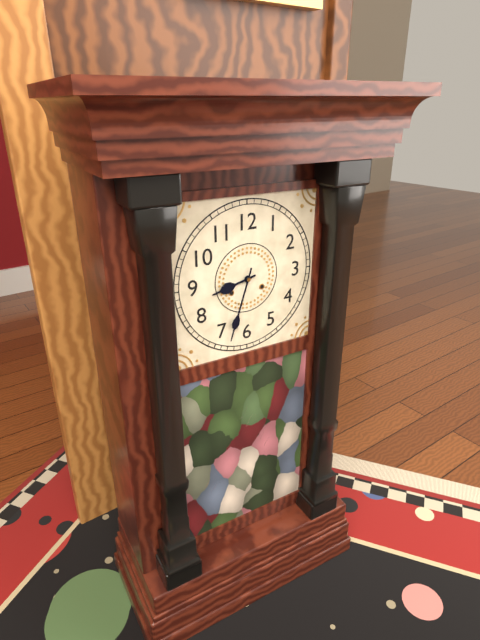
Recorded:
**8:33**
